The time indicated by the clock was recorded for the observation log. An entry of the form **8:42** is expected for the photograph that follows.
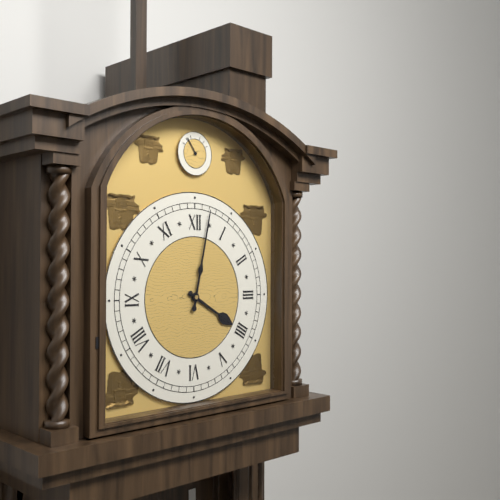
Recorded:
**4:02**
